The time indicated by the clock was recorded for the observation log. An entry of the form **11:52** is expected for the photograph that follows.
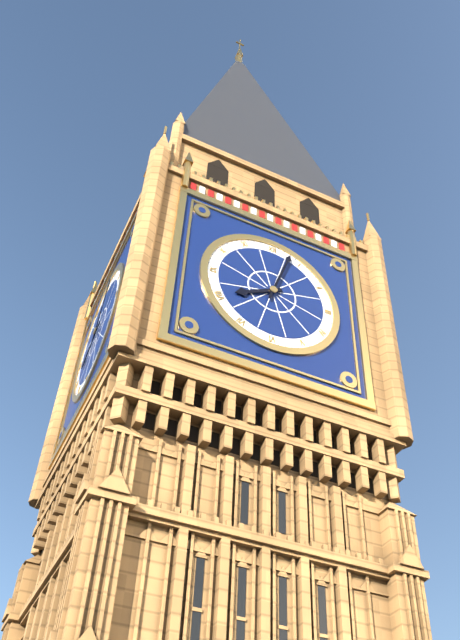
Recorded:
**8:03**
